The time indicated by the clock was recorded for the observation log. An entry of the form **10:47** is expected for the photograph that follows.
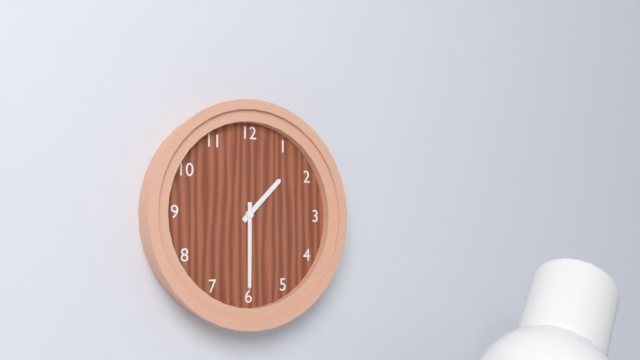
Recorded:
**1:30**
